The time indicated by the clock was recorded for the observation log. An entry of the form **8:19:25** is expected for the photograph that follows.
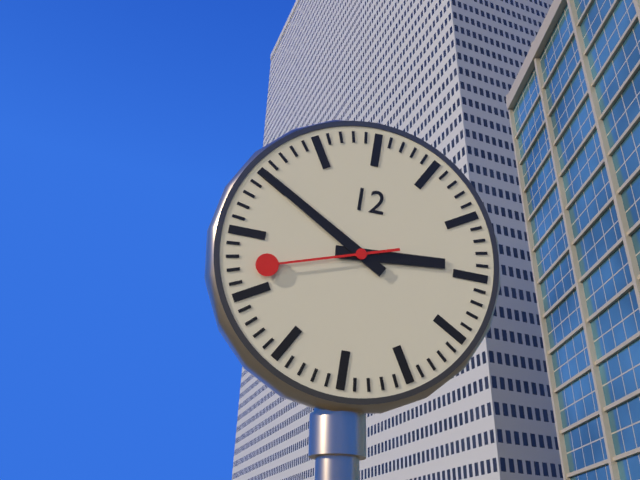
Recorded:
**2:50:42**
